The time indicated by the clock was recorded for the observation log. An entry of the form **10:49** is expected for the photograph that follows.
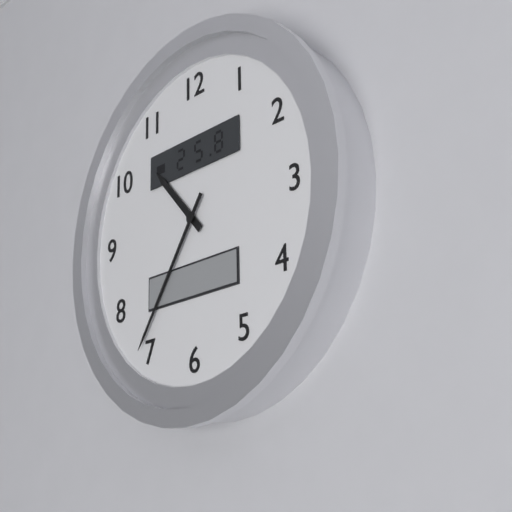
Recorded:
**10:36**
